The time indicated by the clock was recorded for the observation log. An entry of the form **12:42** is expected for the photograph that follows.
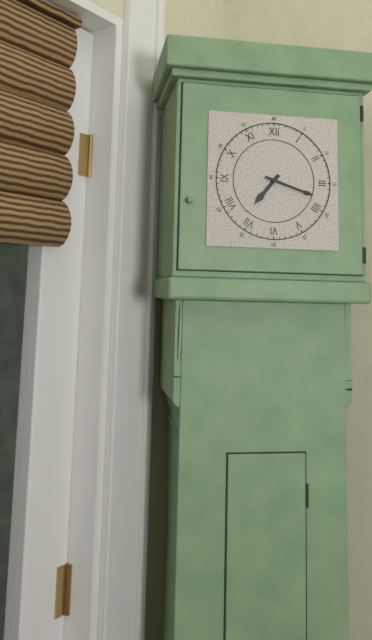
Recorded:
**7:18**
